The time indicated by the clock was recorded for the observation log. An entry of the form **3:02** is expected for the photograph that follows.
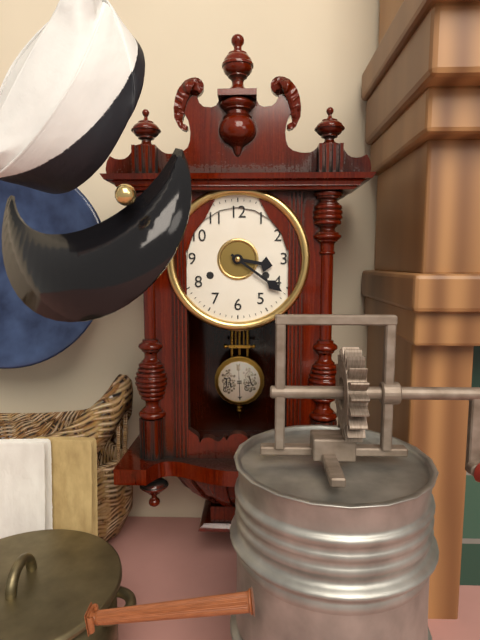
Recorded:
**3:21**
